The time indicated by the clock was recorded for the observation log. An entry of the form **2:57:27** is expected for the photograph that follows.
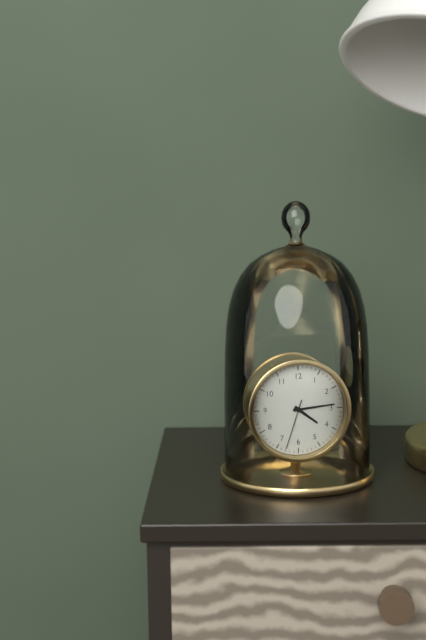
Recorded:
**4:14:33**
